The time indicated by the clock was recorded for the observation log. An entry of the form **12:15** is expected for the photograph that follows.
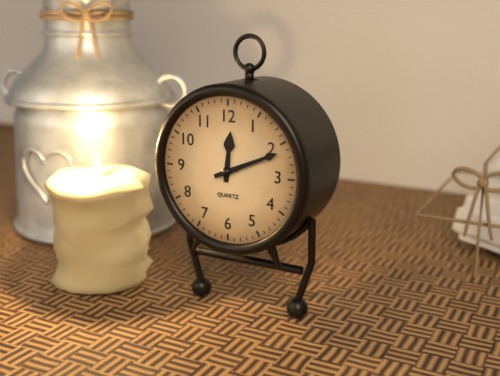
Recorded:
**12:11**
